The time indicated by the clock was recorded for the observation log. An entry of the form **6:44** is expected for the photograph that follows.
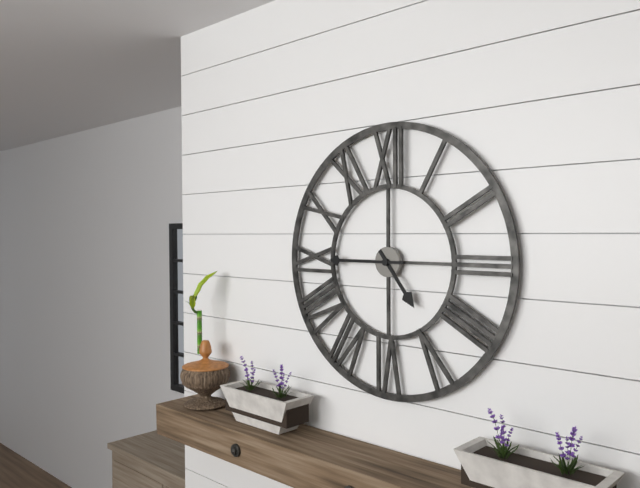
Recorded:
**4:45**
